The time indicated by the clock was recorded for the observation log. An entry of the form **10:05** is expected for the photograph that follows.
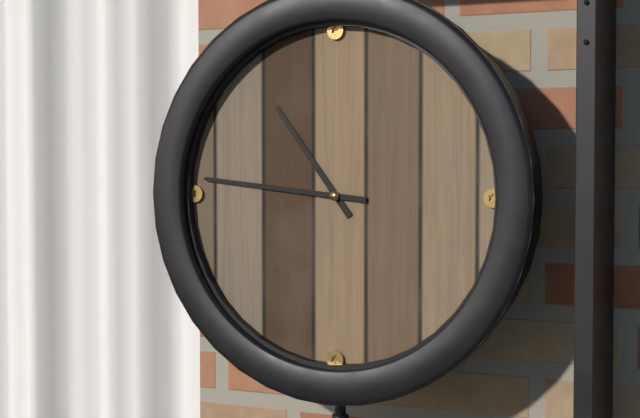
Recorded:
**10:46**
